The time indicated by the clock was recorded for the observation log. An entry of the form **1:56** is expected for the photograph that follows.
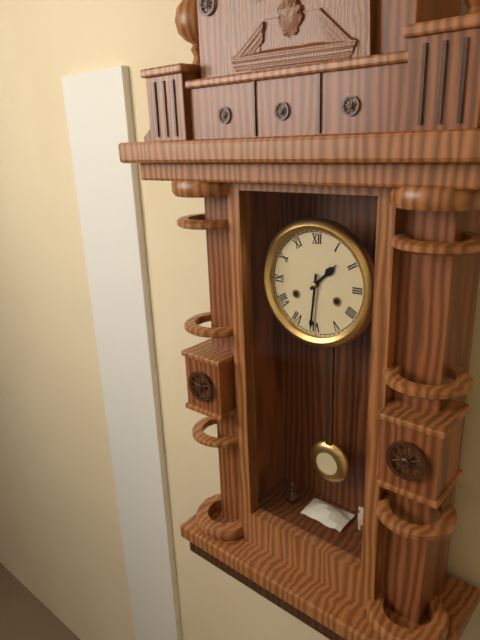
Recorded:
**1:31**
